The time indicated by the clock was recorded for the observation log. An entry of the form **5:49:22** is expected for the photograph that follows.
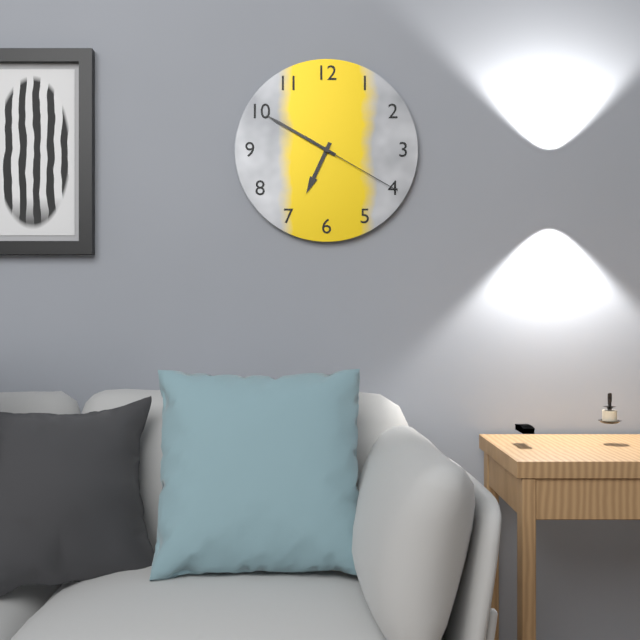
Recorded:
**6:50:20**
